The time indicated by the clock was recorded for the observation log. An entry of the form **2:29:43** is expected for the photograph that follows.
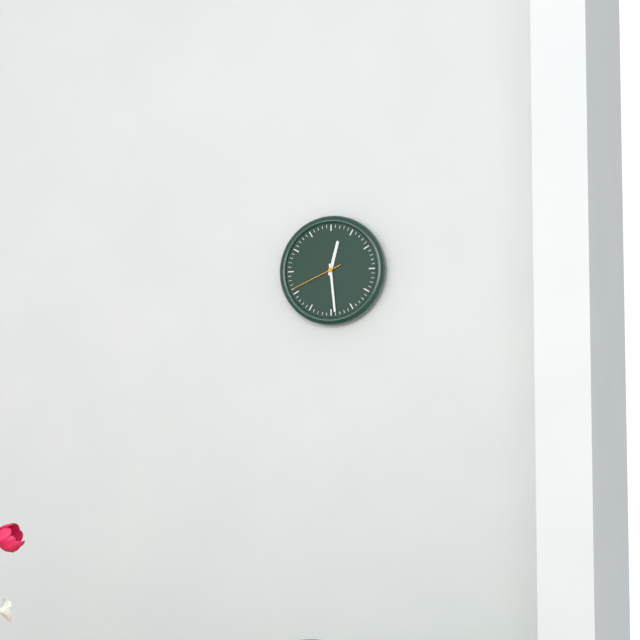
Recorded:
**12:29:41**
